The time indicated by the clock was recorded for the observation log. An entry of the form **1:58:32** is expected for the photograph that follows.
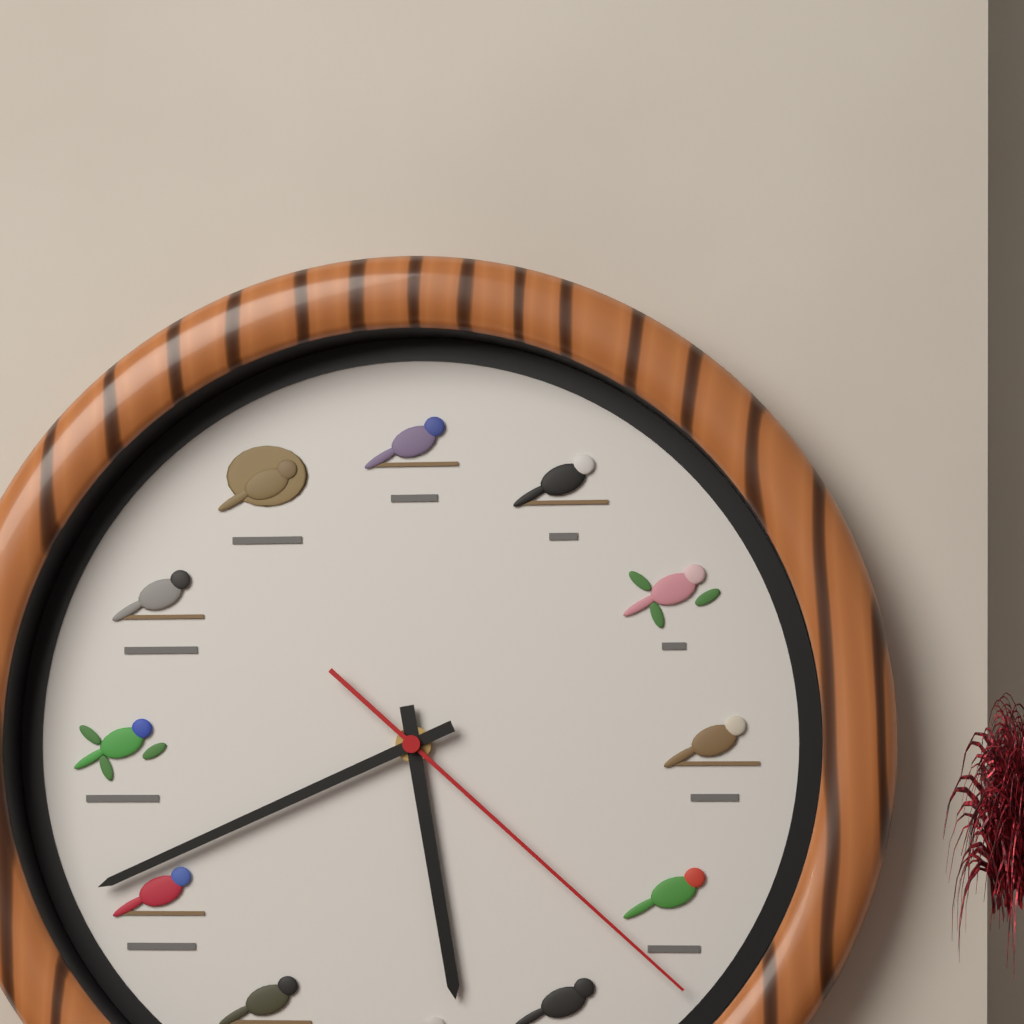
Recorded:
**5:41:22**
